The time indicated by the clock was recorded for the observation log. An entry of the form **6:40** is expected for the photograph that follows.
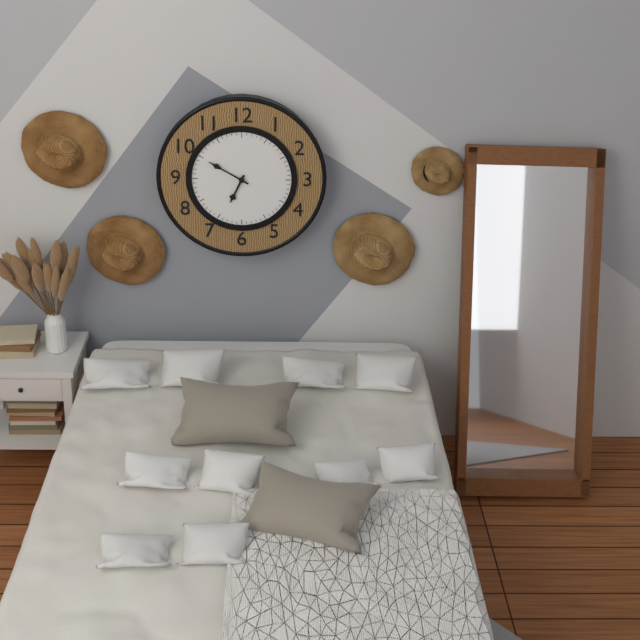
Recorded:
**6:50**
